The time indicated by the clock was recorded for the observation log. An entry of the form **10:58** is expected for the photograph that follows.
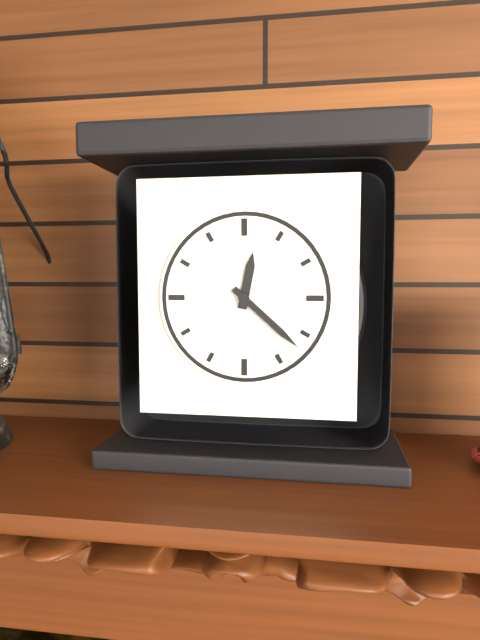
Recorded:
**12:22**
